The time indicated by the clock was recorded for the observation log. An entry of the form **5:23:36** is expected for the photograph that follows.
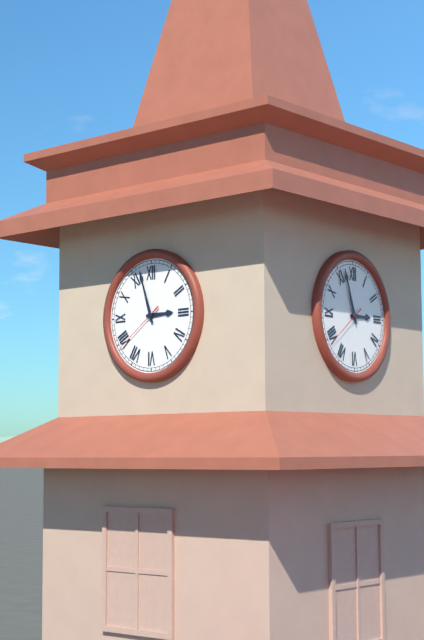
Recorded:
**2:57:39**
